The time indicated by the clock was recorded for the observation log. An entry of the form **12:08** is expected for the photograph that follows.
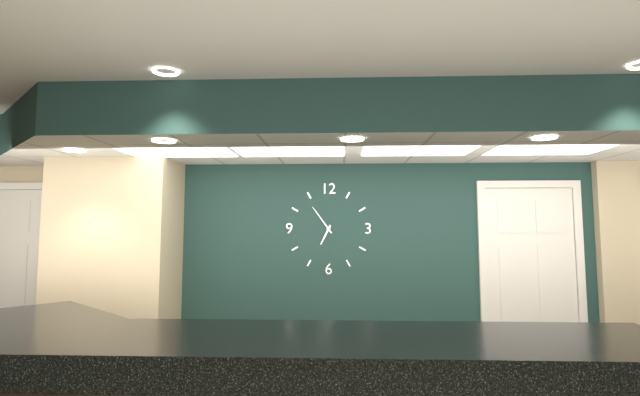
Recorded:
**6:54**
